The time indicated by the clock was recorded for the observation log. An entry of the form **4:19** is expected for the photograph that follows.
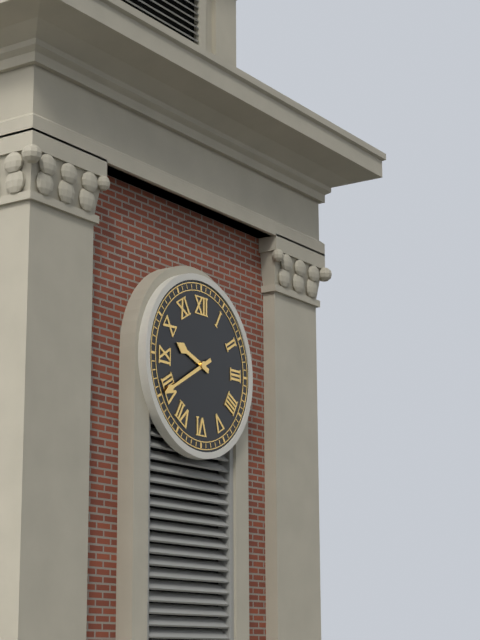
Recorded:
**9:40**
